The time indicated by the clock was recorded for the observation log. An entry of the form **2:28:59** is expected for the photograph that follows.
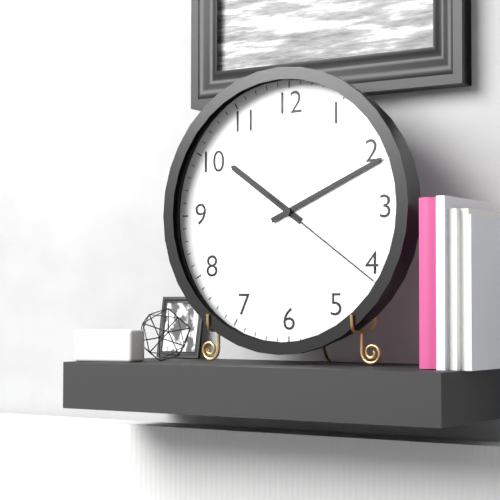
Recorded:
**10:11:21**
